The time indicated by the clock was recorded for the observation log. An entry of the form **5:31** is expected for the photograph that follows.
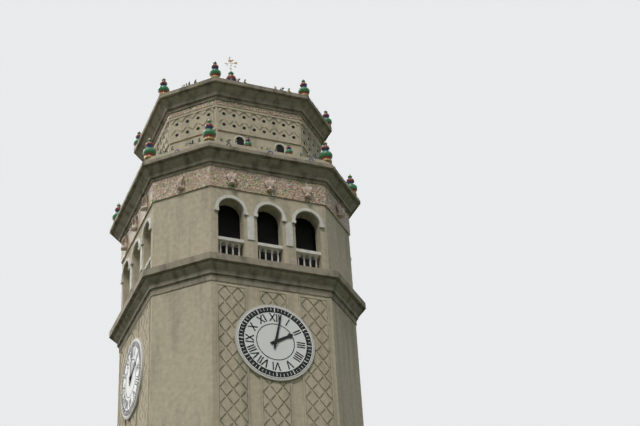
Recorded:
**2:02**
